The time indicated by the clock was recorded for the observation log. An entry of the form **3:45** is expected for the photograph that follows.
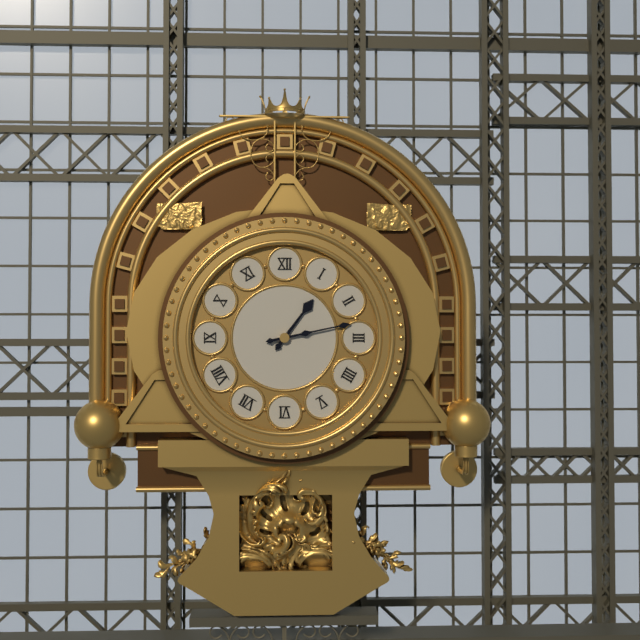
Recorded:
**1:13**
